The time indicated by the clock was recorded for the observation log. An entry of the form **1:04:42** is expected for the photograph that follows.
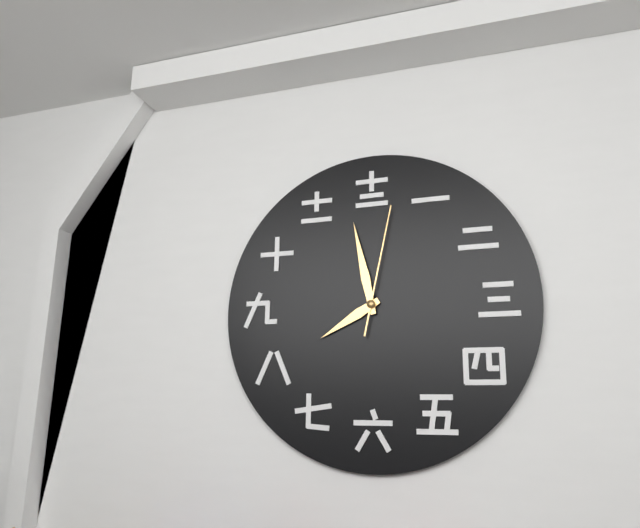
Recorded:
**7:58:02**
